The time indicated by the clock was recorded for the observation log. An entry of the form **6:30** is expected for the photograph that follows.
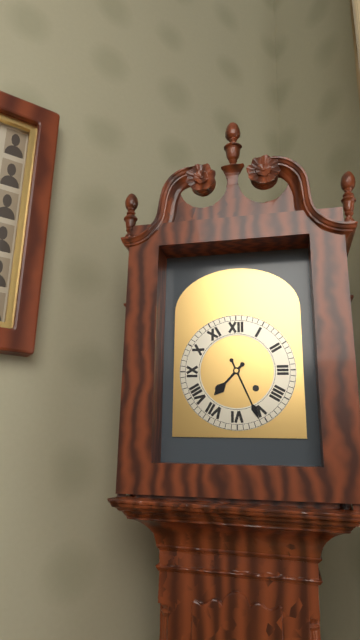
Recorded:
**7:26**
